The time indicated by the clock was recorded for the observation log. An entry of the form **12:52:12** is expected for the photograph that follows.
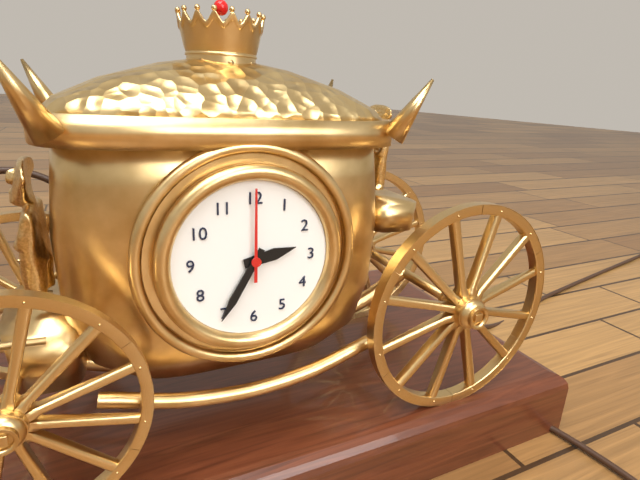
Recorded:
**2:35:00**
